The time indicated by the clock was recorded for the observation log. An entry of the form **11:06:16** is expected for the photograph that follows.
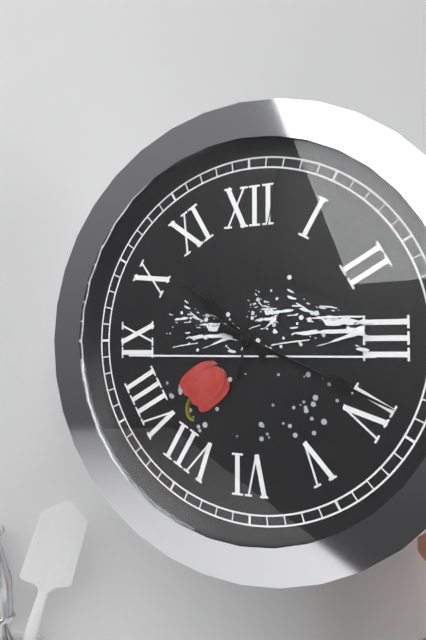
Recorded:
**10:19:02**
